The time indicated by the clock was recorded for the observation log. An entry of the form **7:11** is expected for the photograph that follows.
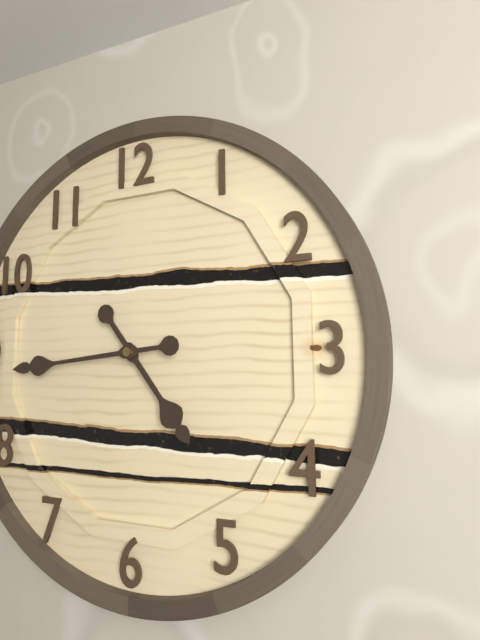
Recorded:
**4:44**
